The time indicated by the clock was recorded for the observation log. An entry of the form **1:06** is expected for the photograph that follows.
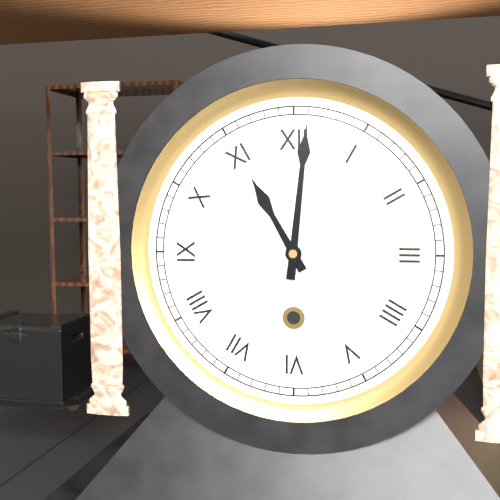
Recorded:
**11:01**
